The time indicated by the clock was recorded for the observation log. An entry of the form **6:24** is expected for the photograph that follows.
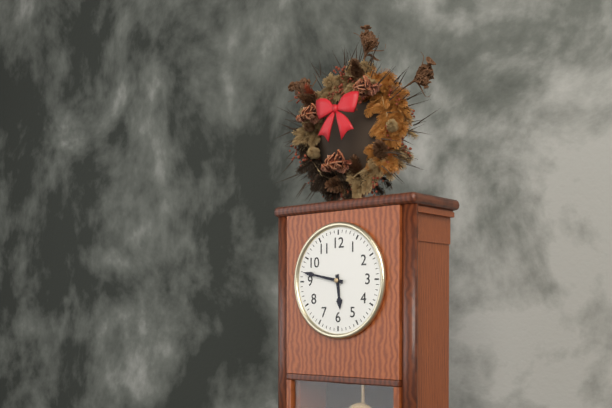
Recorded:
**5:47**
